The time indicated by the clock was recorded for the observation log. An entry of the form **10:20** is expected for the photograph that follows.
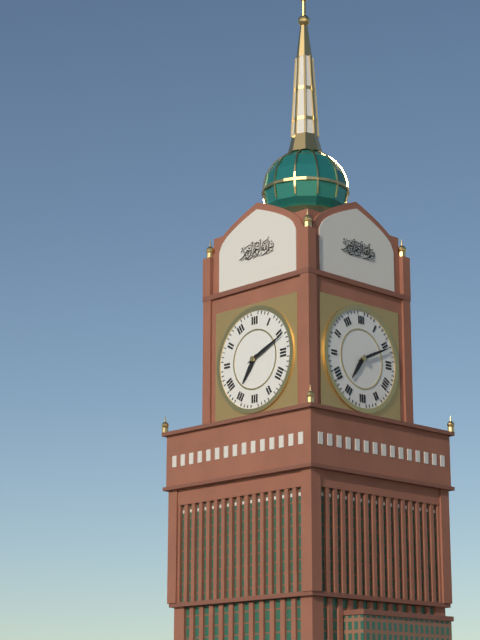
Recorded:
**7:11**
